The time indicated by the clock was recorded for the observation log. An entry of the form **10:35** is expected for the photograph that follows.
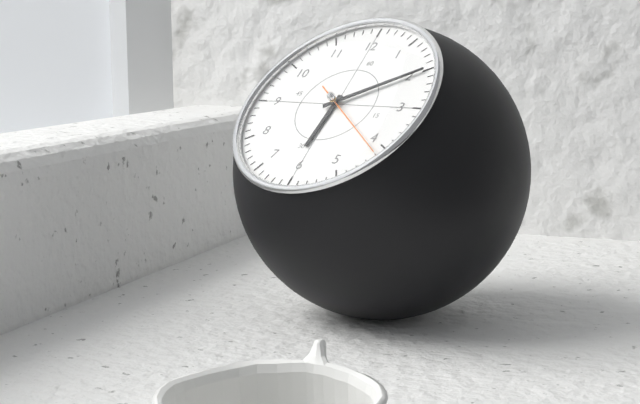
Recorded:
**6:10**
